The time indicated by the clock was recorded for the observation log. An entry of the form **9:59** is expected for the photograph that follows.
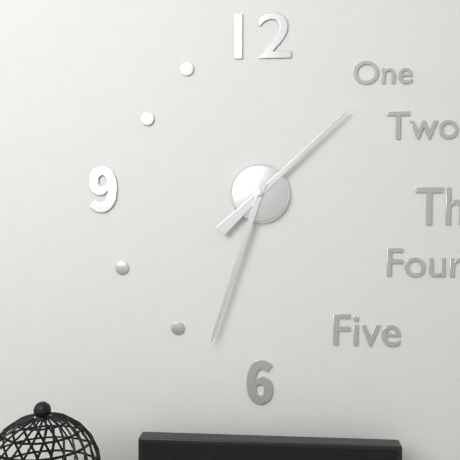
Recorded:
**1:33**
